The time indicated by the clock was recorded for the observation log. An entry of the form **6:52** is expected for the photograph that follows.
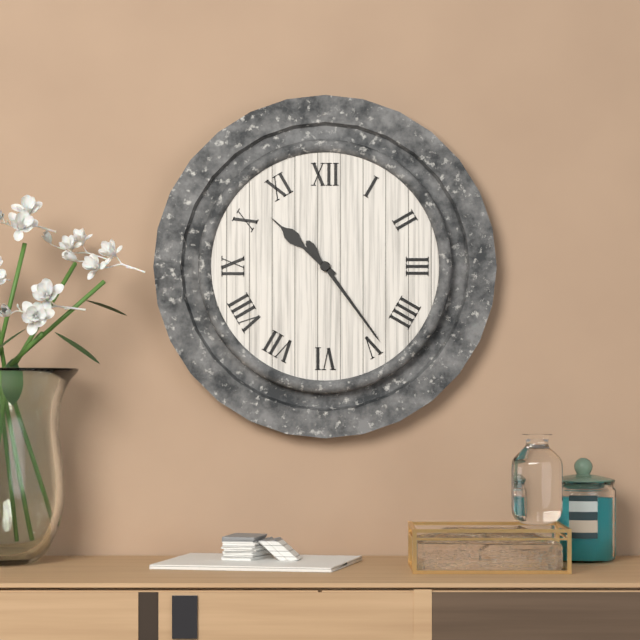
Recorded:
**10:24**
